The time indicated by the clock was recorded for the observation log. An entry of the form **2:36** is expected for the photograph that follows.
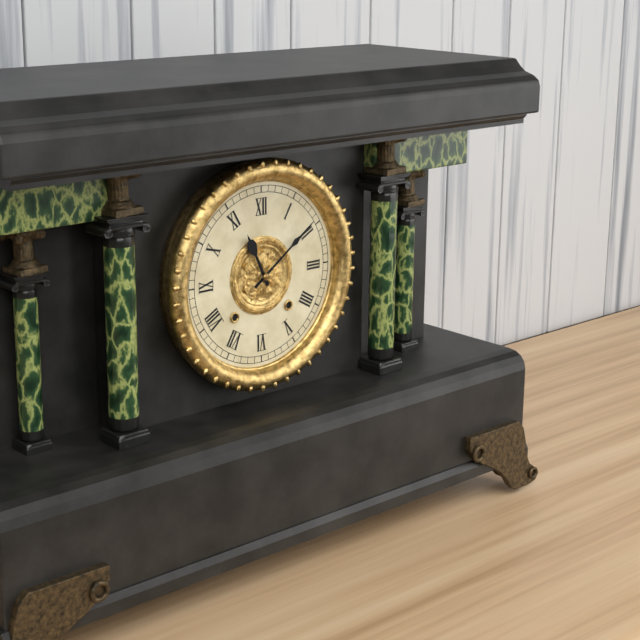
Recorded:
**11:09**
